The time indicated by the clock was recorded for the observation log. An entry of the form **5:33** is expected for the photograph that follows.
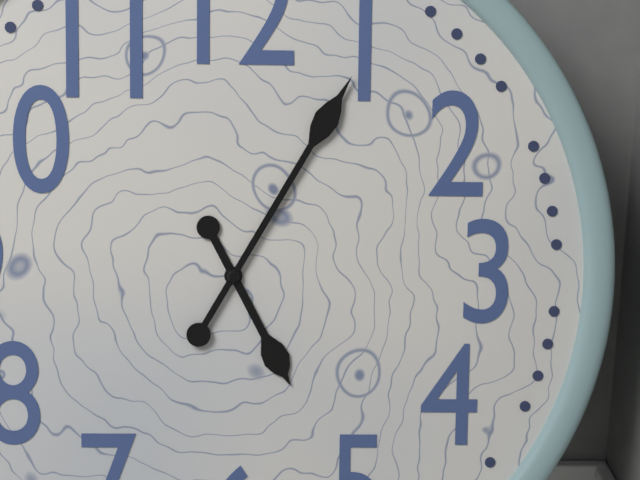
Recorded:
**5:05**
